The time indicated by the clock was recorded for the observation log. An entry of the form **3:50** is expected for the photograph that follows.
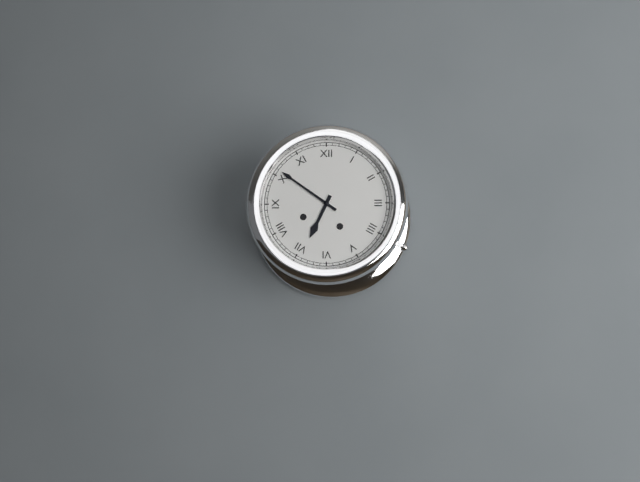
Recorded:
**6:51**
